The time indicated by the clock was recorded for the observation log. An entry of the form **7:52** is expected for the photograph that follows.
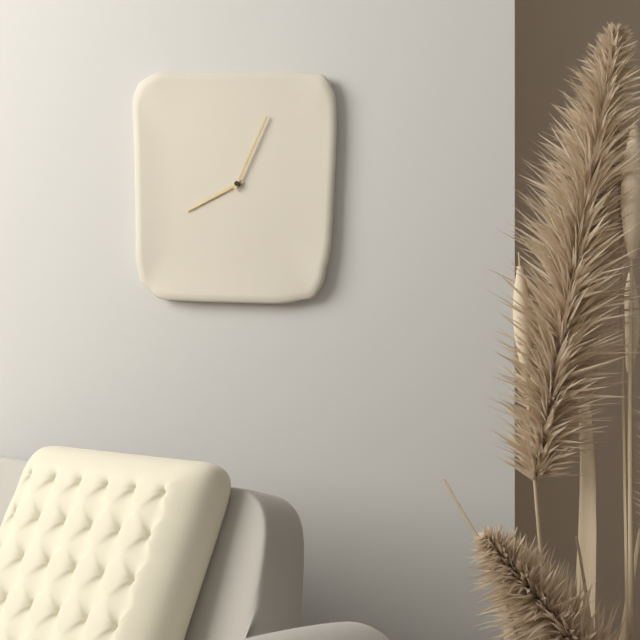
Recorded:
**8:04**
